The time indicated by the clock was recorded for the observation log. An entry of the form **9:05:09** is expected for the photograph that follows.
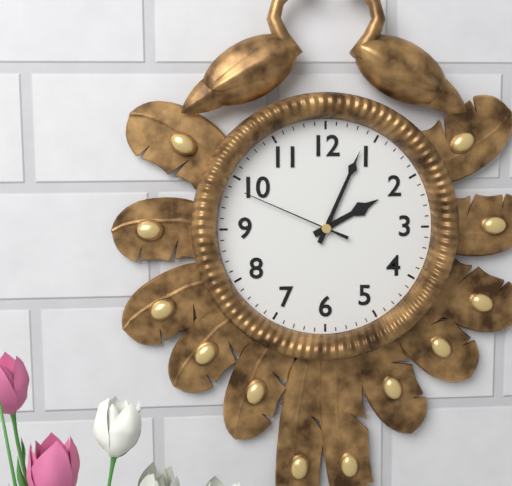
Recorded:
**2:04:49**
